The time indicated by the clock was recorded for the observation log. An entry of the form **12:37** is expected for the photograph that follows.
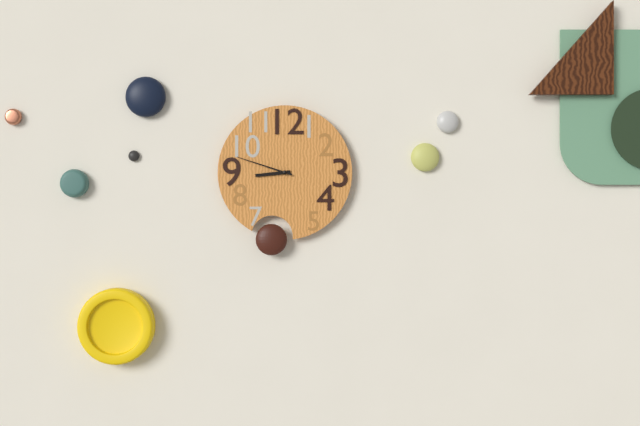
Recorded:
**8:48**
